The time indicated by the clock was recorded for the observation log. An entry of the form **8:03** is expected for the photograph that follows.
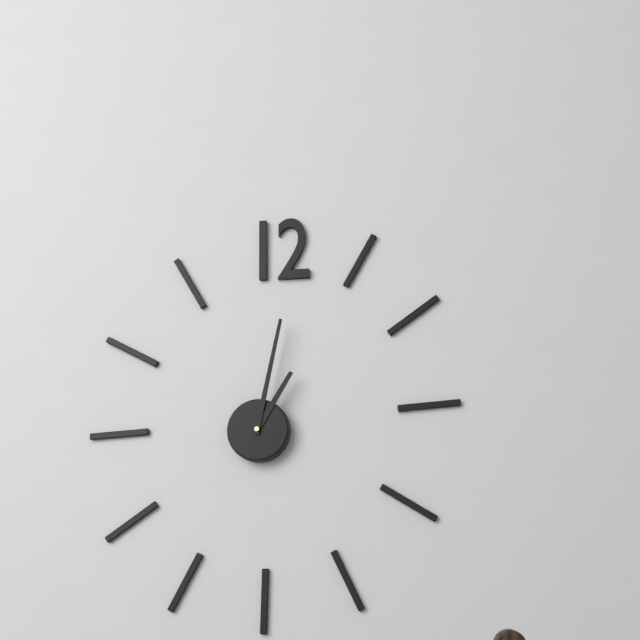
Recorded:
**1:02**
